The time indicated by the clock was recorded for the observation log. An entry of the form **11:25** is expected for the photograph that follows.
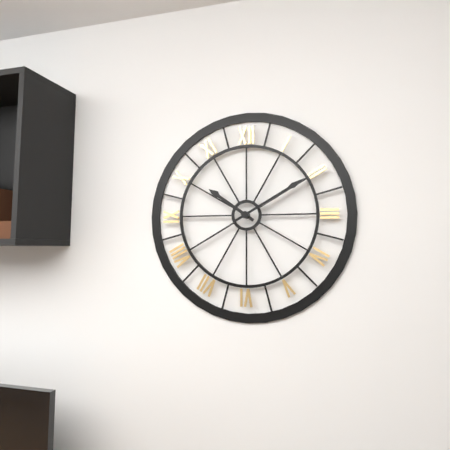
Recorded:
**10:10**
